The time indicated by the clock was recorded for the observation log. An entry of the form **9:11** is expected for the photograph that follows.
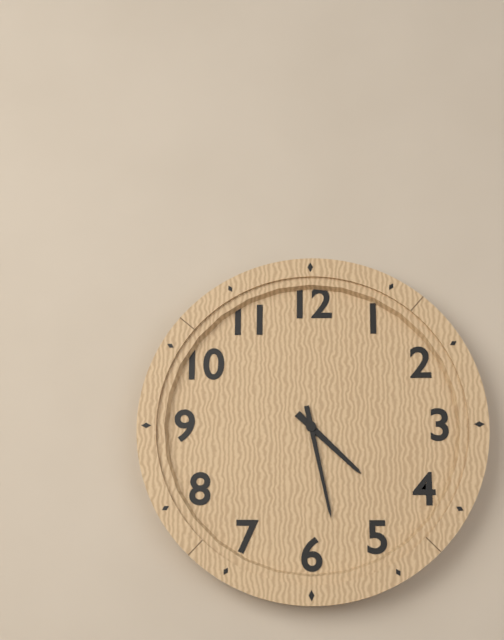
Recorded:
**4:28**
